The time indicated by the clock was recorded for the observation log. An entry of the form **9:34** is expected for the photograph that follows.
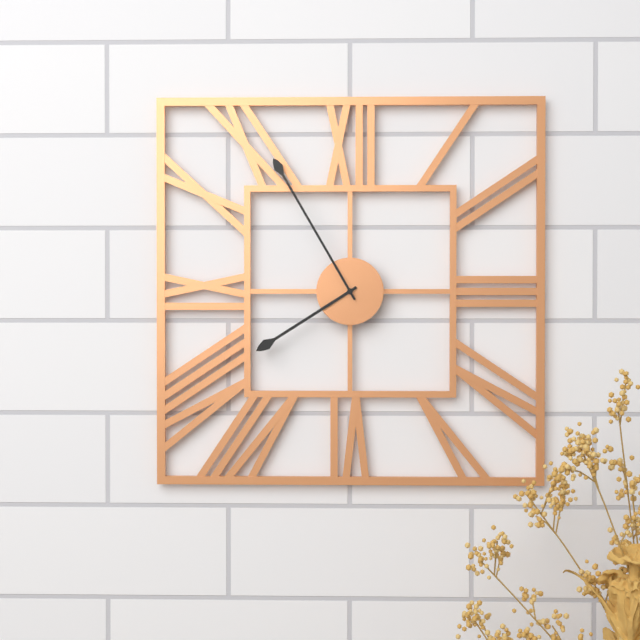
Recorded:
**7:55**
